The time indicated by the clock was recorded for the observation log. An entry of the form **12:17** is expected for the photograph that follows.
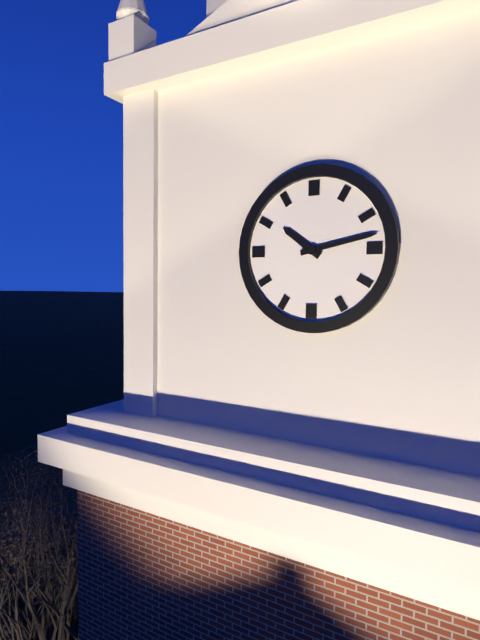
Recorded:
**10:13**
